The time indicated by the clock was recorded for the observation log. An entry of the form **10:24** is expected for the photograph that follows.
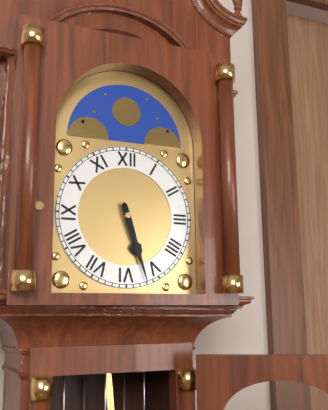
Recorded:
**5:27**
